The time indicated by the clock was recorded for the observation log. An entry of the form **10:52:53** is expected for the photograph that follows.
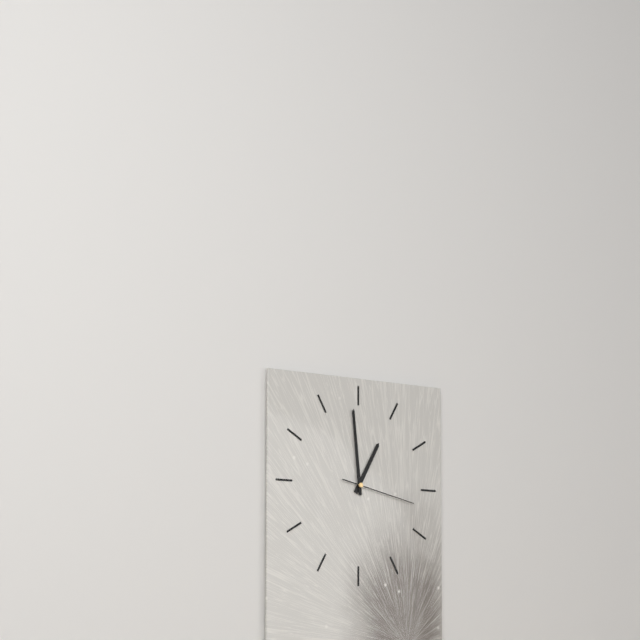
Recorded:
**12:59:17**
